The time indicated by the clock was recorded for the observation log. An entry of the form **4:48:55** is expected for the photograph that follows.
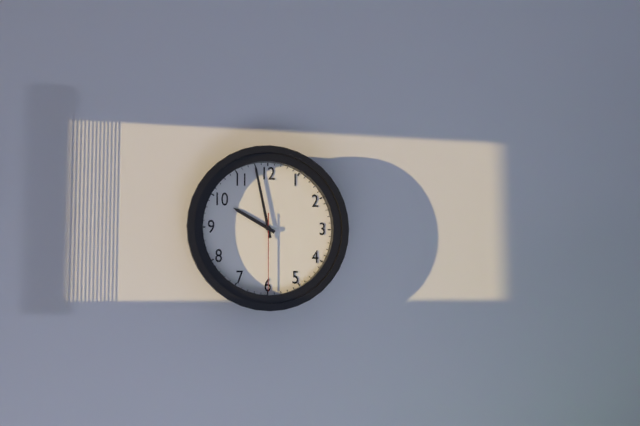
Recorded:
**9:58:30**
